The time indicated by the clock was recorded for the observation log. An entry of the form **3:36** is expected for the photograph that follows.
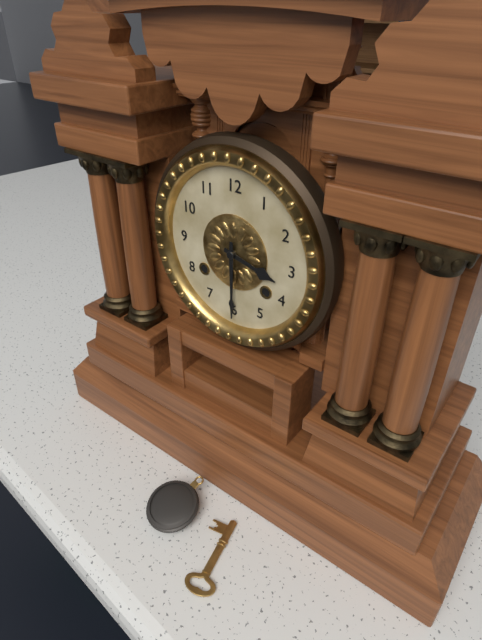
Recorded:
**3:30**
